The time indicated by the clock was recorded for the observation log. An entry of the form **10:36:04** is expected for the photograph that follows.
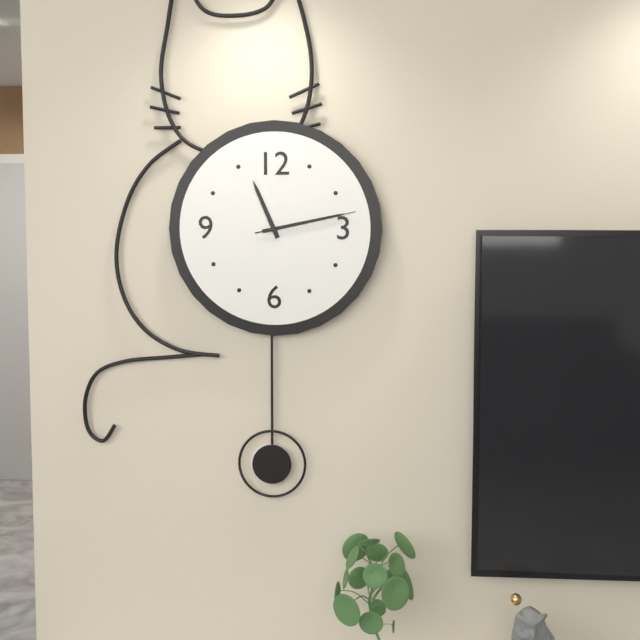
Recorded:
**11:13:13**
